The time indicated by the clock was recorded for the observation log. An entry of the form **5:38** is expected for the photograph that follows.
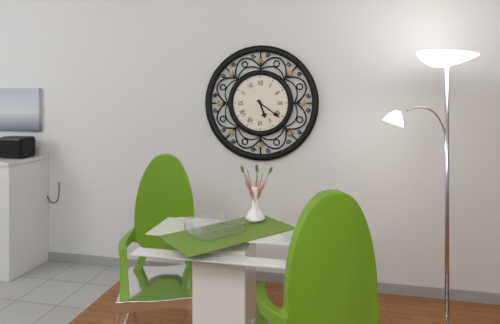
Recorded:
**5:21**
